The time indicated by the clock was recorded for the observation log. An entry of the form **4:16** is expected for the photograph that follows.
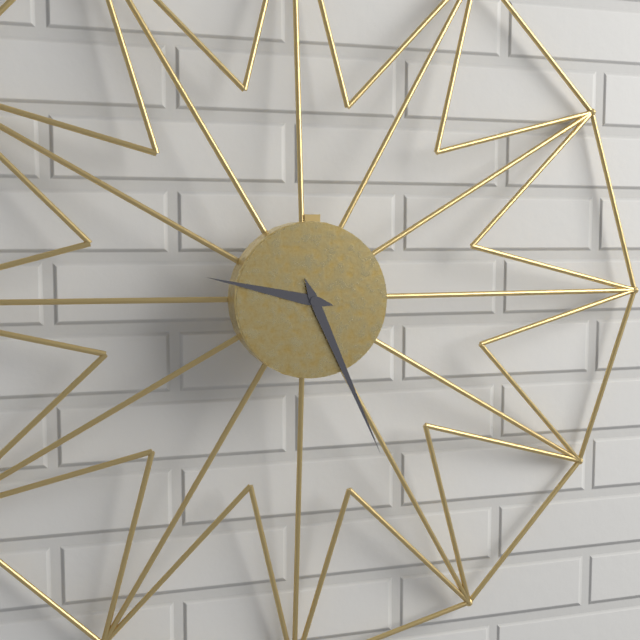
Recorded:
**9:26**
